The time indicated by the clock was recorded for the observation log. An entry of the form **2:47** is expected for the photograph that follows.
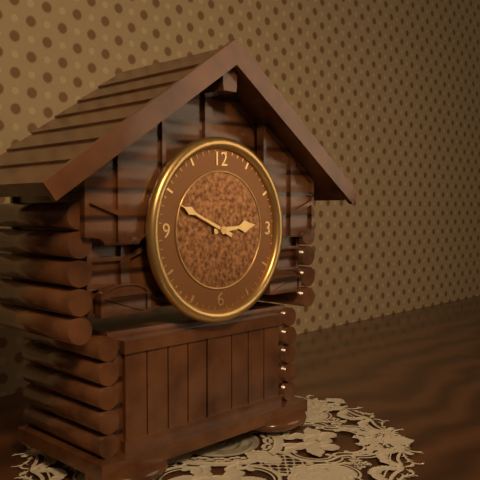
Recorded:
**2:49**
